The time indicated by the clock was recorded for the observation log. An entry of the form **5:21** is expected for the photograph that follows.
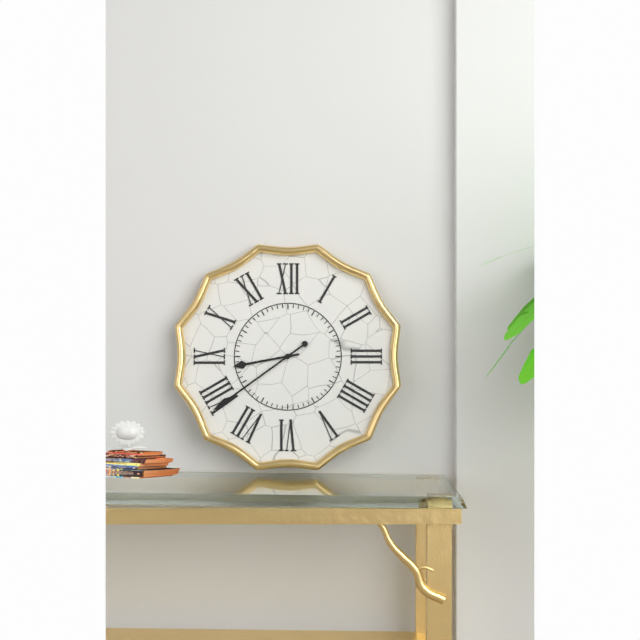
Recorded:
**8:39**
